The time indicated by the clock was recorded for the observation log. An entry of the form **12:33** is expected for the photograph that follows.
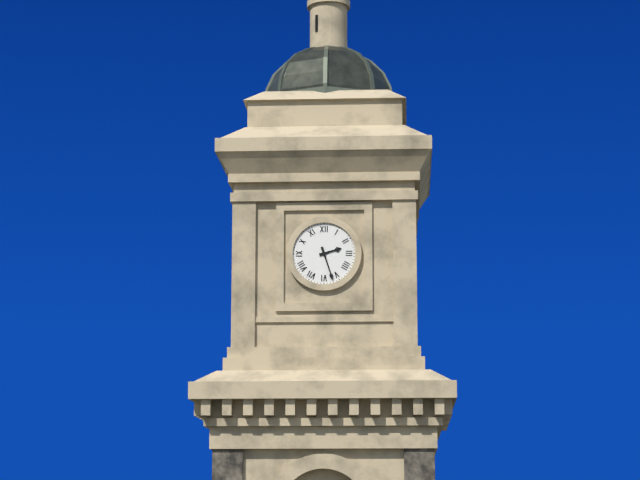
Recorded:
**2:27**
